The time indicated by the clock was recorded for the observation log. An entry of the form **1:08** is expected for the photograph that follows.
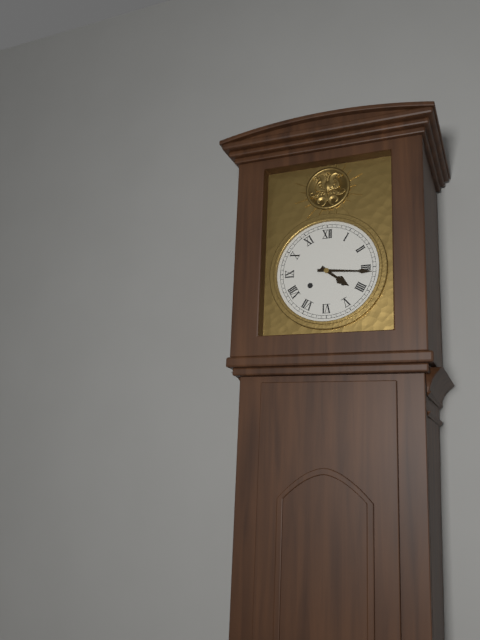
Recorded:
**4:16**
